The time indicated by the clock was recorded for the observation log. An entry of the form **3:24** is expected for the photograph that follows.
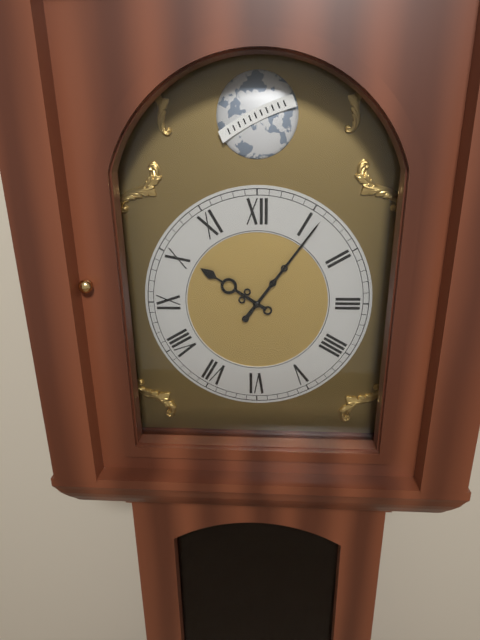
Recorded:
**10:06**
